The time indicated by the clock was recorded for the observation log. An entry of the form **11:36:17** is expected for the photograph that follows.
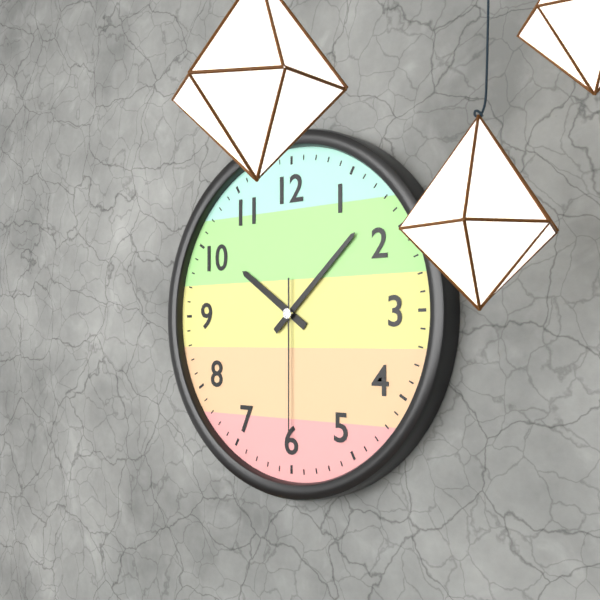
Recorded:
**10:08:30**
